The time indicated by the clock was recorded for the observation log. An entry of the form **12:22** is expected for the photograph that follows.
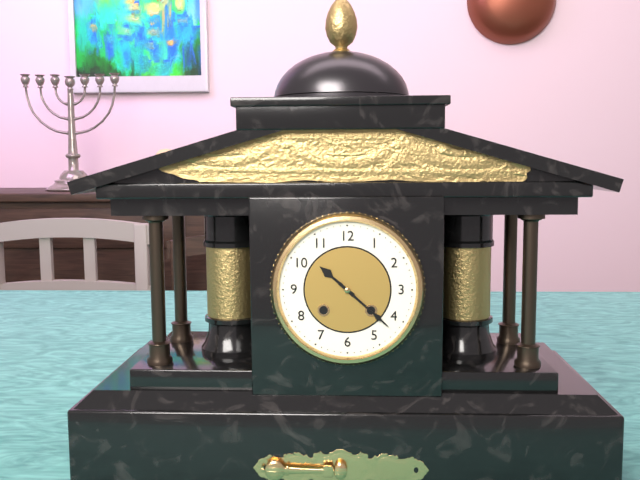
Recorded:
**10:22**
